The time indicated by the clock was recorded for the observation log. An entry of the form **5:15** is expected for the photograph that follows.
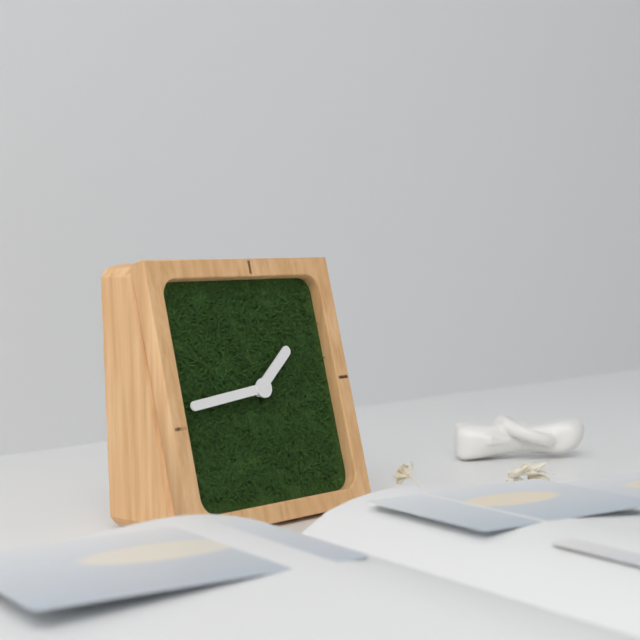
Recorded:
**1:44**
